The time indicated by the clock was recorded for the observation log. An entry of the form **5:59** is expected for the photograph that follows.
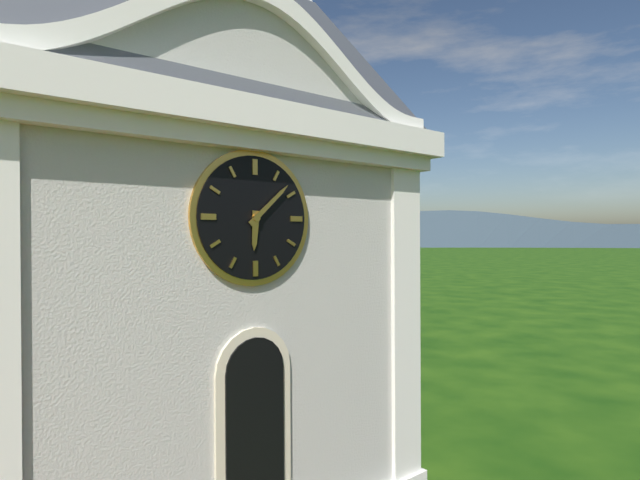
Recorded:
**6:08**
